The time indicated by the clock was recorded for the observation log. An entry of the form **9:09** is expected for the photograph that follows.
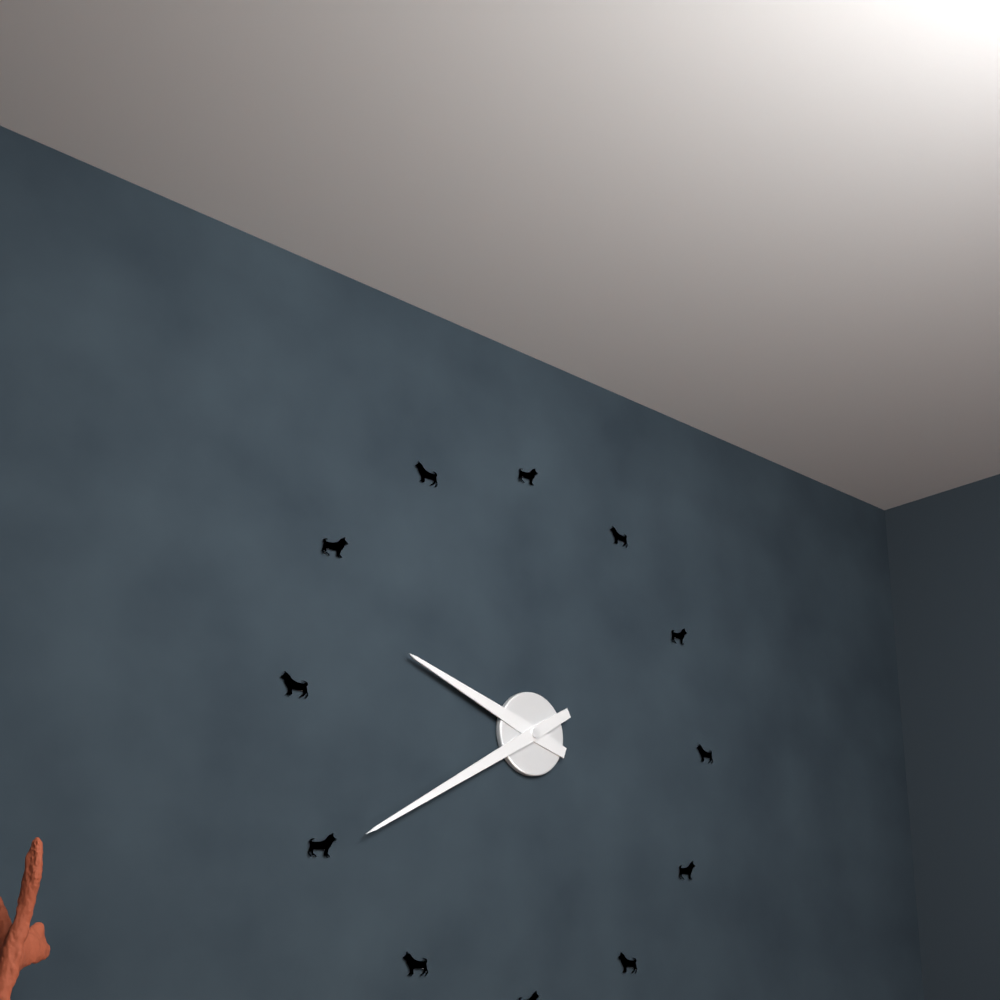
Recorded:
**9:40**
